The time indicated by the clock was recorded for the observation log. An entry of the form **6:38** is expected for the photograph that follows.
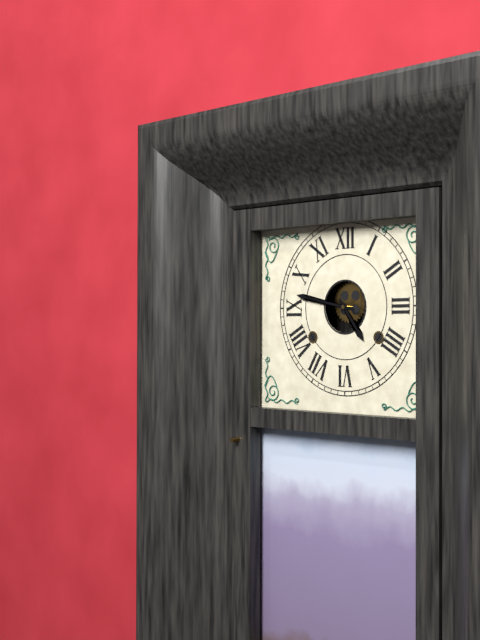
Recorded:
**4:47**
